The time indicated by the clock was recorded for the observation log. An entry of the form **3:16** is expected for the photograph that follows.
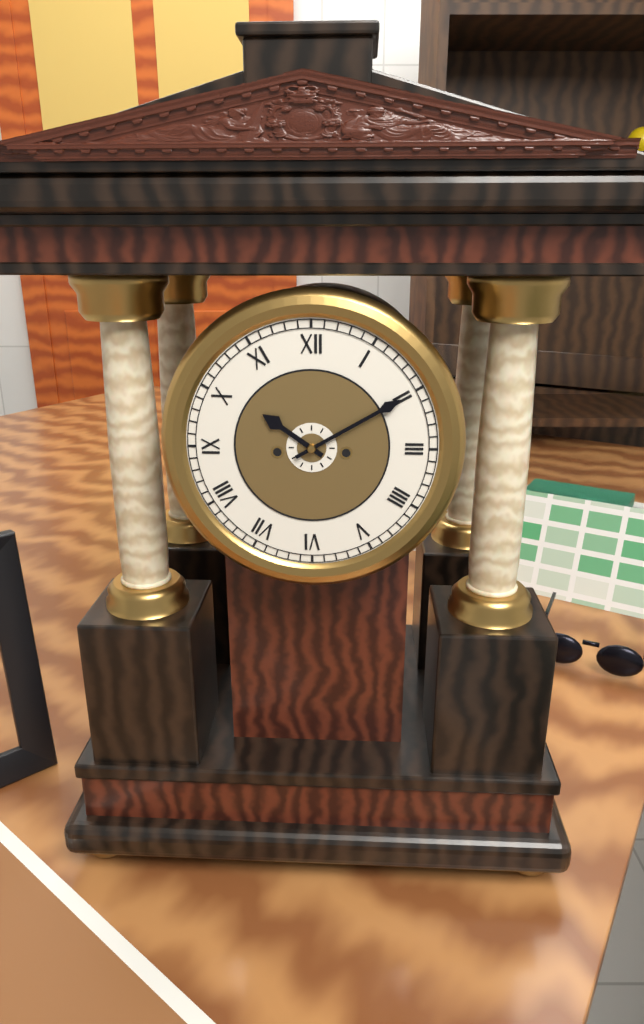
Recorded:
**10:10**
